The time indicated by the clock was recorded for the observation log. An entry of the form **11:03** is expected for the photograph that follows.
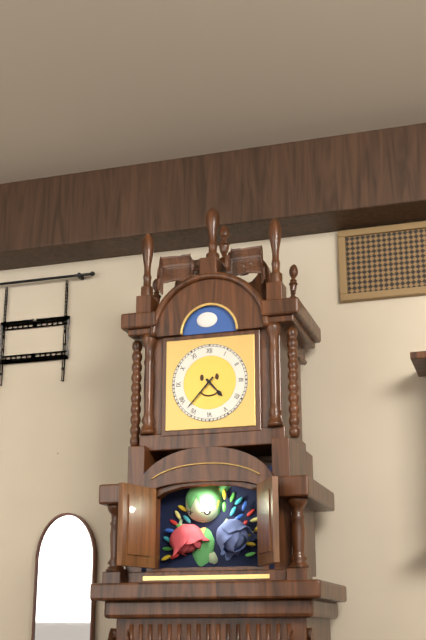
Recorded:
**4:37**
